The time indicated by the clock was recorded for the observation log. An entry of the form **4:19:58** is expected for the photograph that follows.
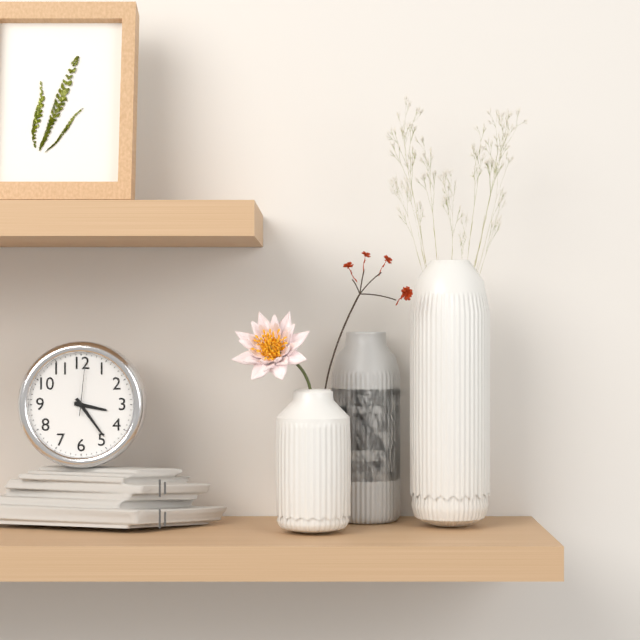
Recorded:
**3:24:01**
